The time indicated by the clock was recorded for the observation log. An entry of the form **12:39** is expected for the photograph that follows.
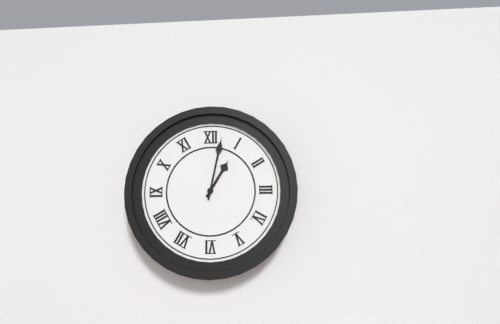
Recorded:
**1:02**
